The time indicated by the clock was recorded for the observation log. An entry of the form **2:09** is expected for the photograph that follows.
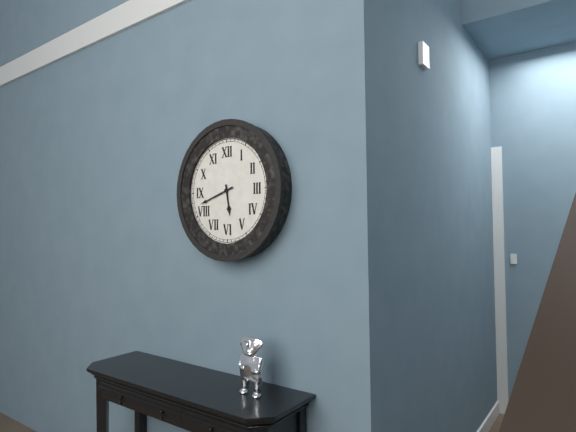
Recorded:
**5:42**
